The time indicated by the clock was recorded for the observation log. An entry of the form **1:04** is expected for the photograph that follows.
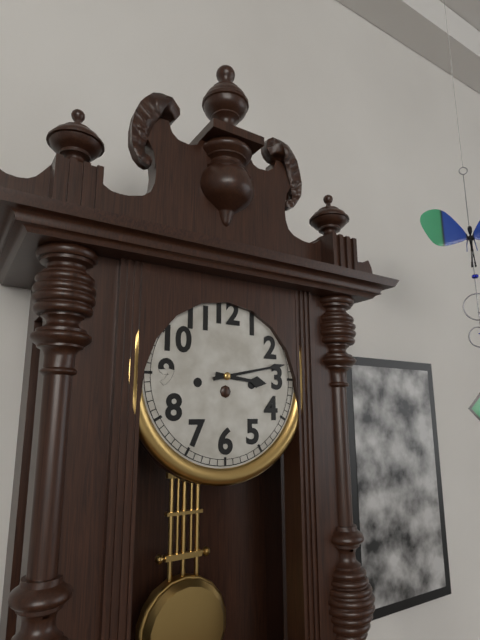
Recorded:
**3:13**
